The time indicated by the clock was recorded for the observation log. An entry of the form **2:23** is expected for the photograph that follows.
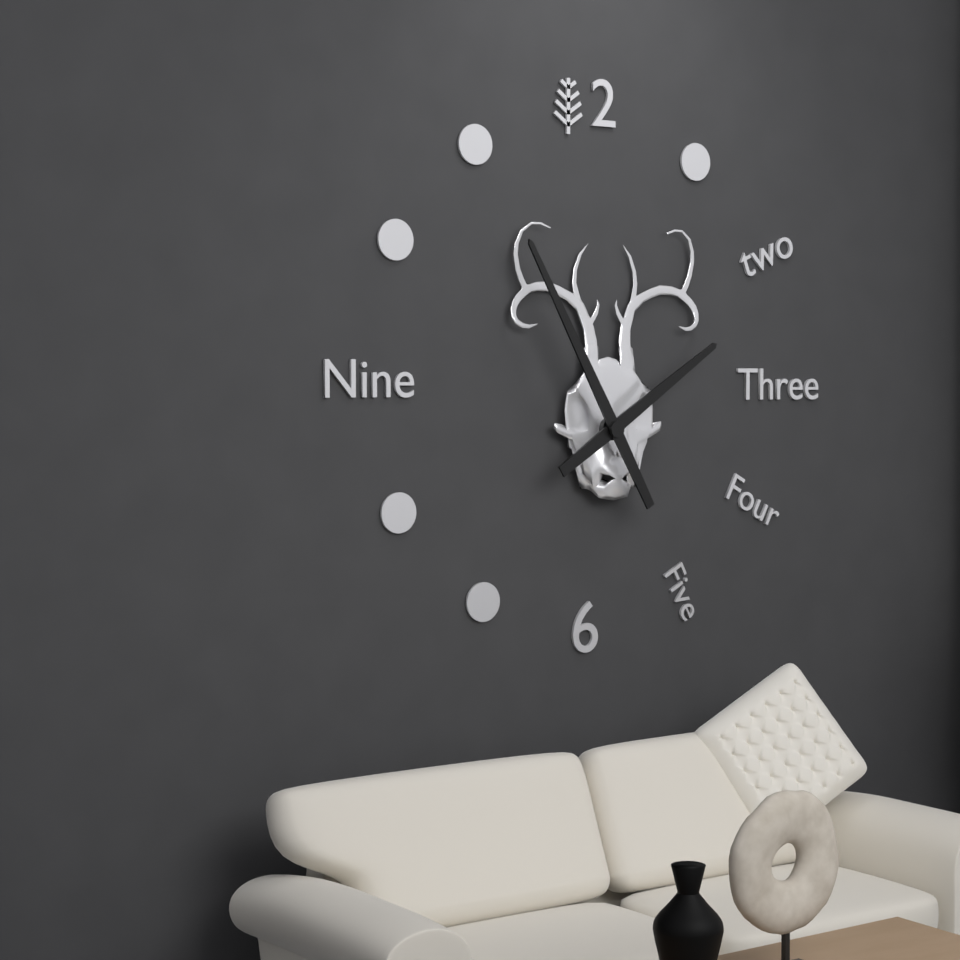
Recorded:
**1:55**
